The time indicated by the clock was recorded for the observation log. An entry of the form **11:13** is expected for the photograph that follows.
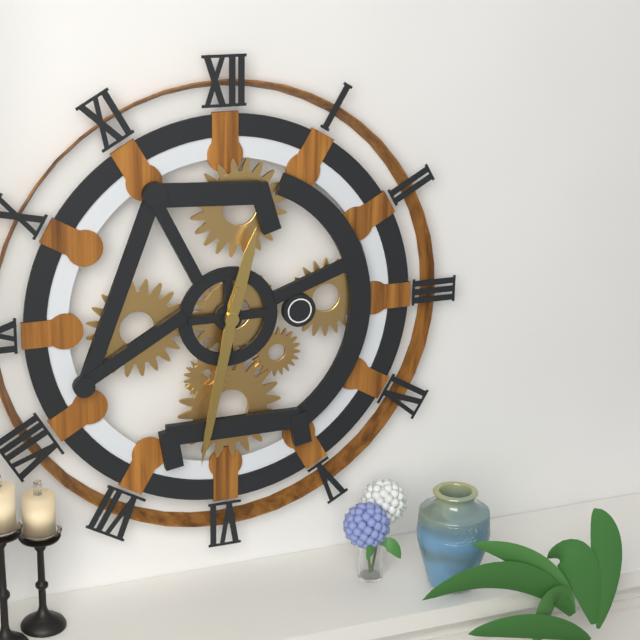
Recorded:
**12:32**
